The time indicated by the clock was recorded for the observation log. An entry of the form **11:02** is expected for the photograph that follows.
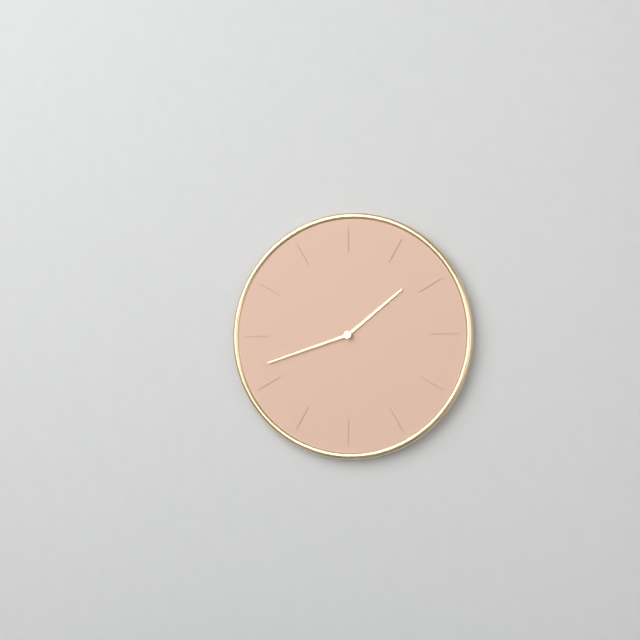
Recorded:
**1:42**
